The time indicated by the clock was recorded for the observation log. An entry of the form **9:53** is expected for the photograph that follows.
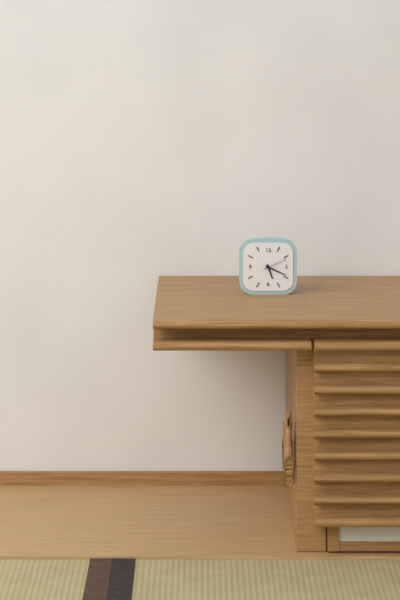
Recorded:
**5:19**
